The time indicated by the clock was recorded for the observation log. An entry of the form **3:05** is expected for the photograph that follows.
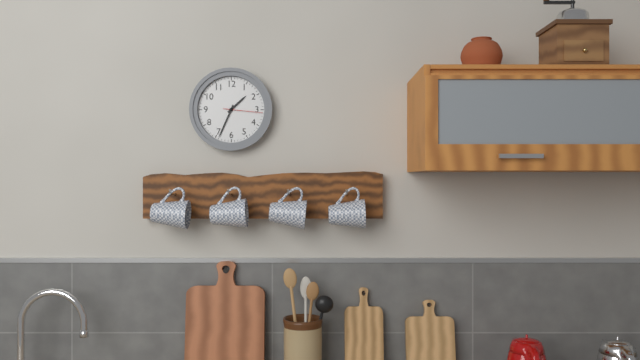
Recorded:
**1:34**
